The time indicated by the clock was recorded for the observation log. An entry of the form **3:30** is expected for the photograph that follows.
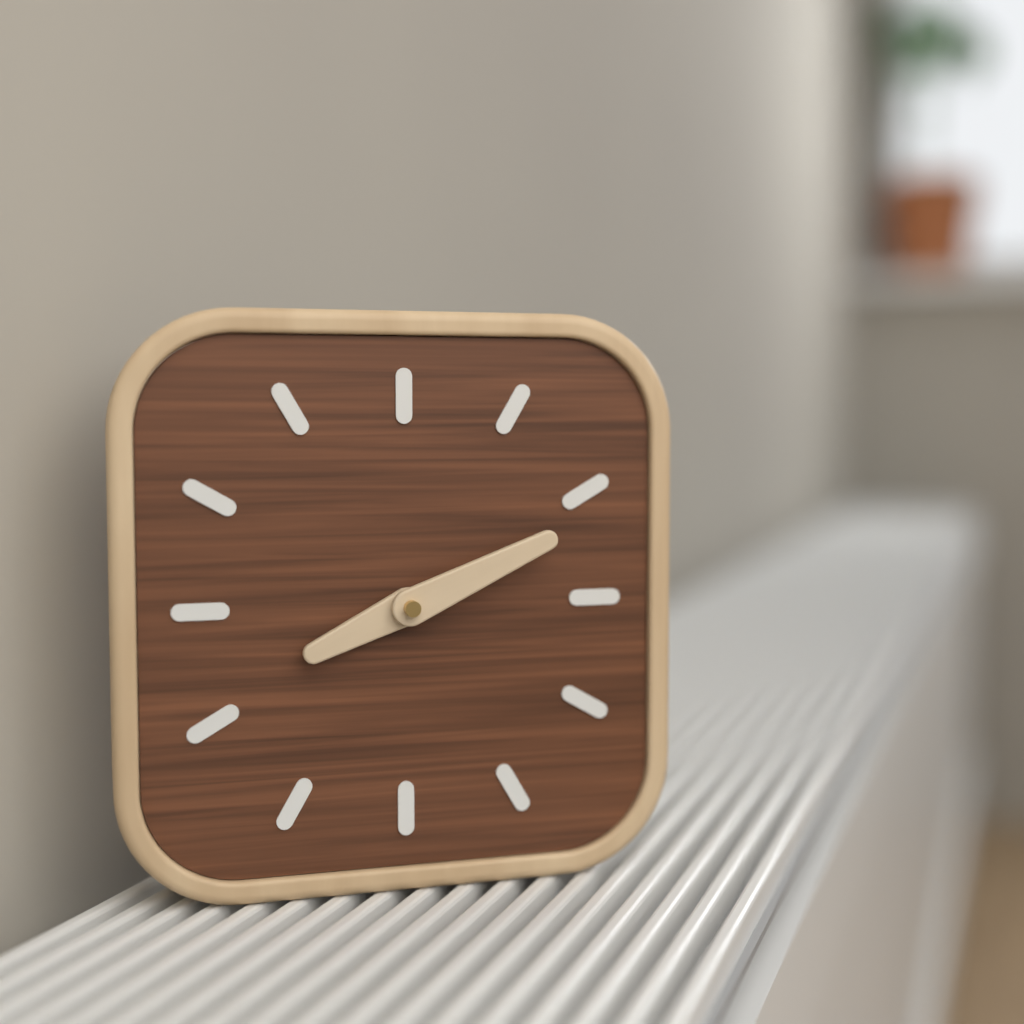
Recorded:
**8:11**
